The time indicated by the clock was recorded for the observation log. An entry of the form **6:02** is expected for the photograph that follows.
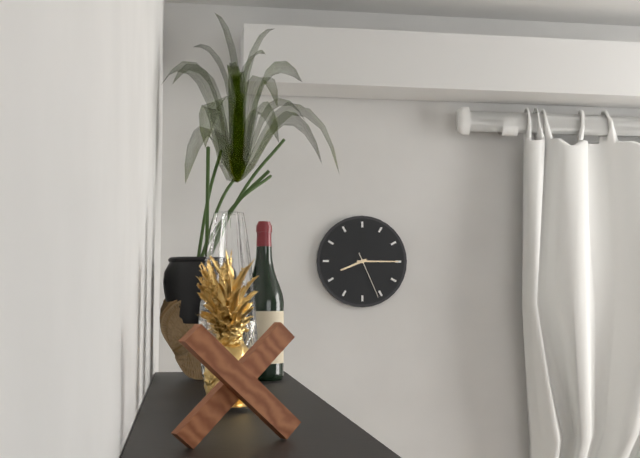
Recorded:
**8:15**
